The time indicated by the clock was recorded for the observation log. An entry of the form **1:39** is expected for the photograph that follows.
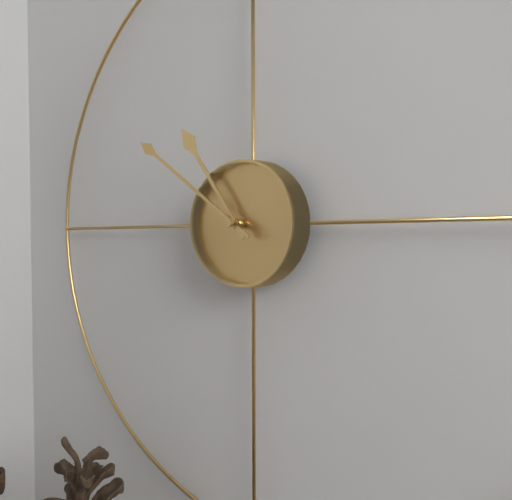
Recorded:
**10:51**
